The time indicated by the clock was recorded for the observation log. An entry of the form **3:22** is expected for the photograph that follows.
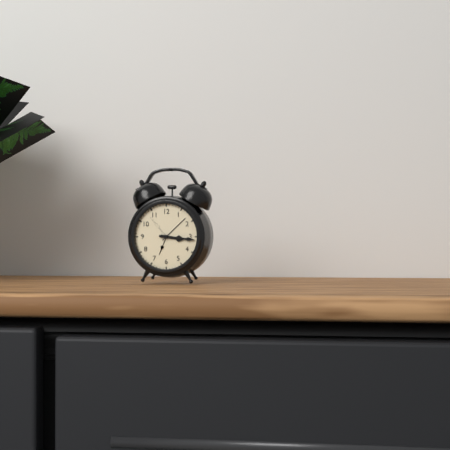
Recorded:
**3:16**
